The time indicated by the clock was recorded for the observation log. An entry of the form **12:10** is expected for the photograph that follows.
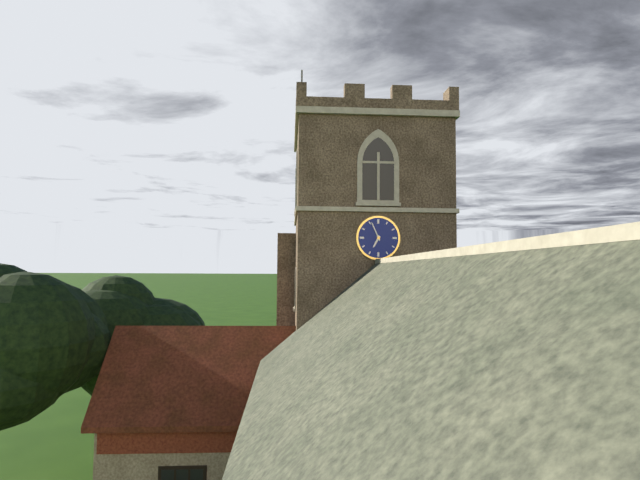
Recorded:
**6:56**
